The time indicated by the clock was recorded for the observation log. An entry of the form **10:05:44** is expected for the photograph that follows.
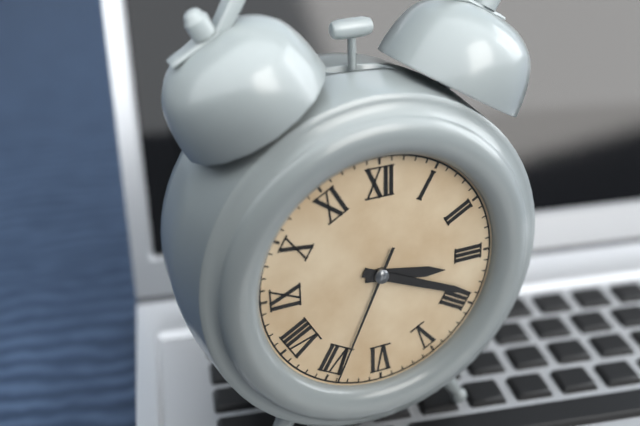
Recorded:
**3:19:34**
